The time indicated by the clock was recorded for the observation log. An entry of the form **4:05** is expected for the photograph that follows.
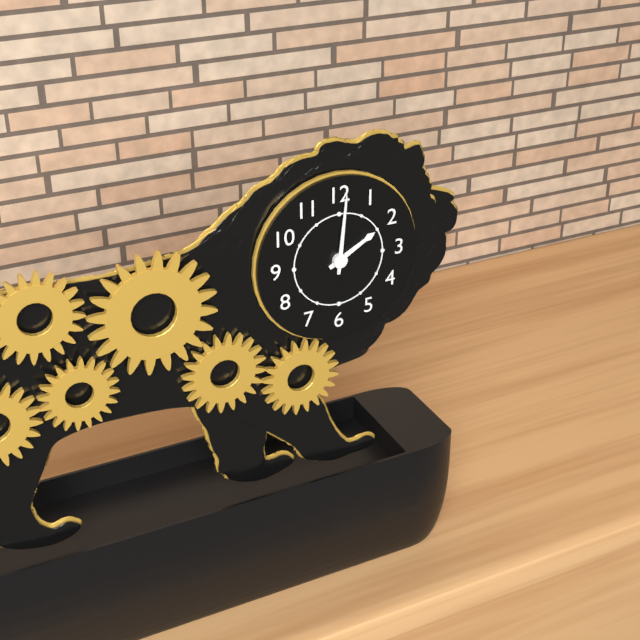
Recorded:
**2:01**
